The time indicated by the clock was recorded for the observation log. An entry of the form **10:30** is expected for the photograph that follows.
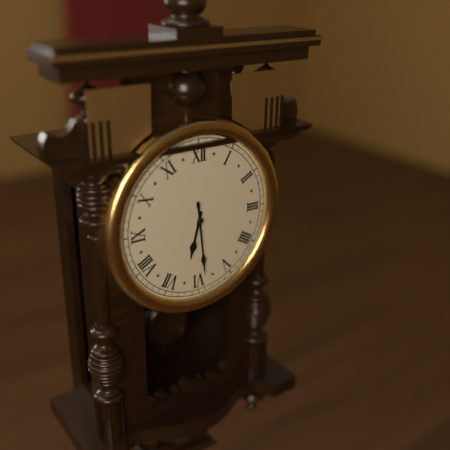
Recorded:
**6:29**
